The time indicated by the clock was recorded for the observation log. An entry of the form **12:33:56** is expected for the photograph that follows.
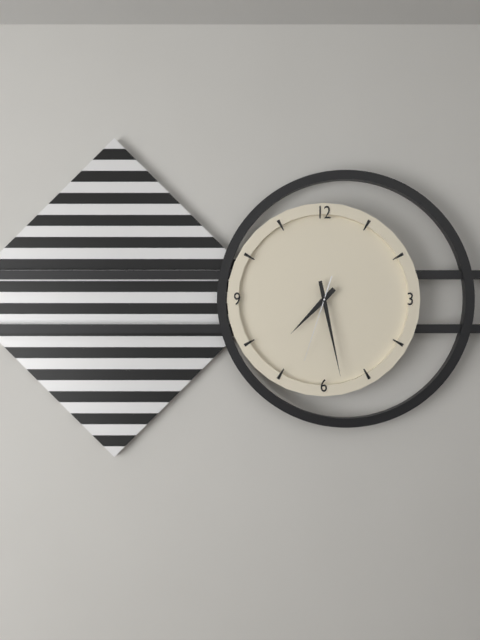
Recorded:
**7:28:33**
